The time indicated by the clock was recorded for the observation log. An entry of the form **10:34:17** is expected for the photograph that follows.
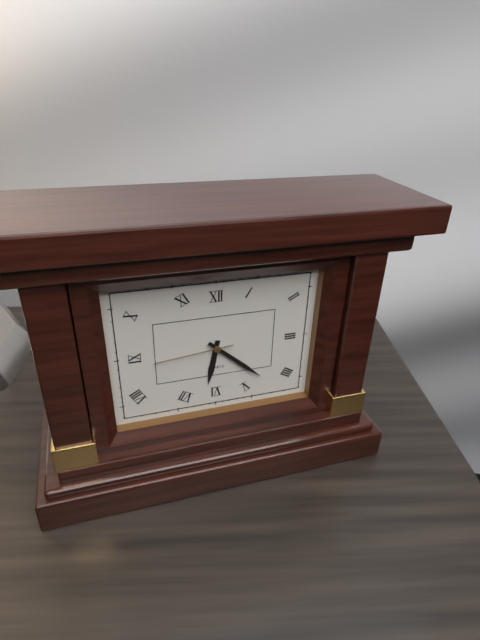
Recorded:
**6:22:44**
